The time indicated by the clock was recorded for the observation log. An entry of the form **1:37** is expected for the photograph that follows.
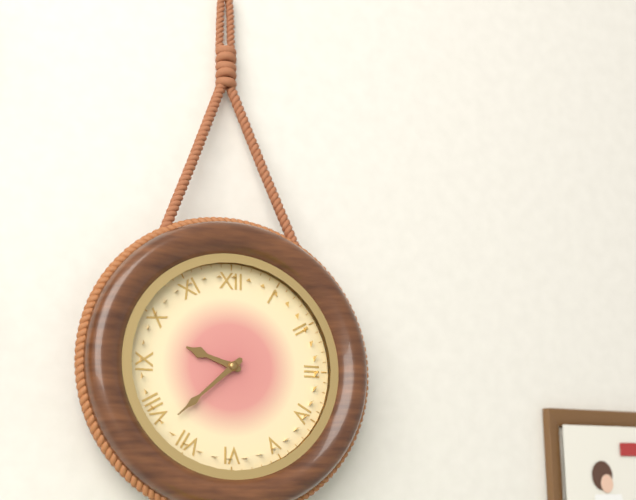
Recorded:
**9:38**
